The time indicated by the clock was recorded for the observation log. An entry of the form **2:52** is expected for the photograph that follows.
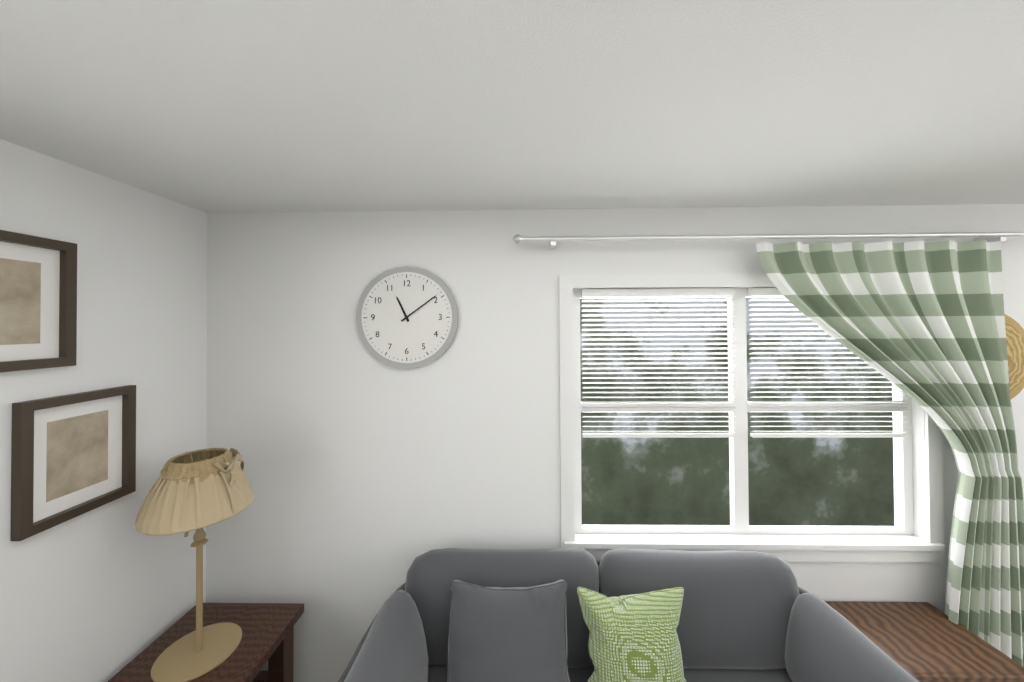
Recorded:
**11:09**
